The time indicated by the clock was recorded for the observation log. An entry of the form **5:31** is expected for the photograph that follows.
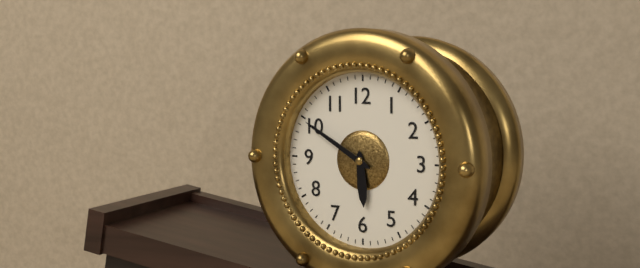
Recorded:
**5:50**
